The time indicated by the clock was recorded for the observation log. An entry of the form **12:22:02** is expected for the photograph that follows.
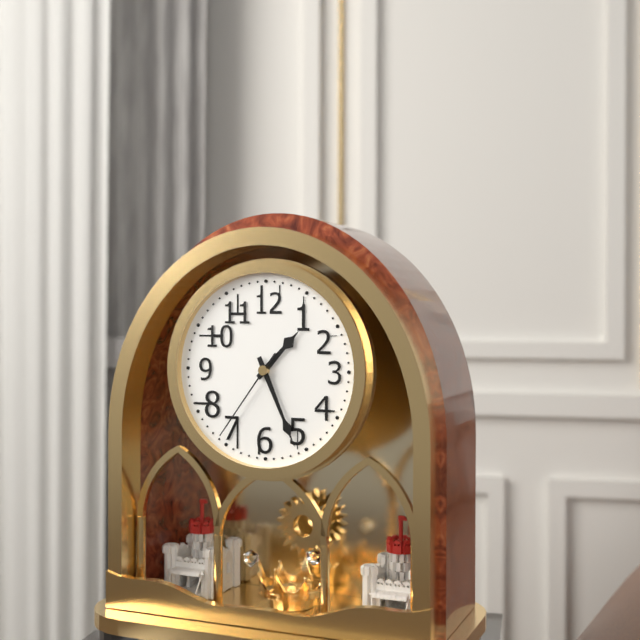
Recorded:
**1:26:36**
